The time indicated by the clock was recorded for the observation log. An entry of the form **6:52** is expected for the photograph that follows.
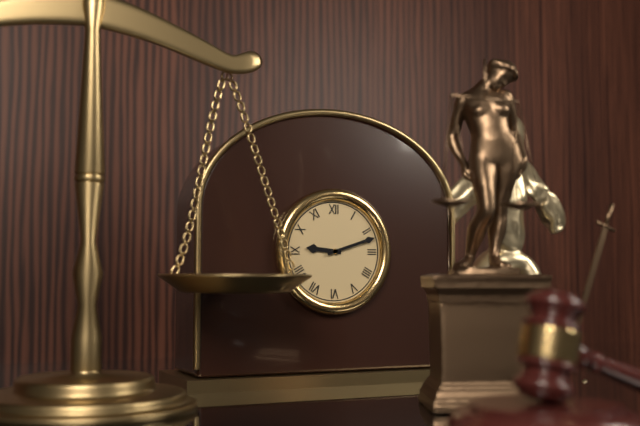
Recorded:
**9:12**
